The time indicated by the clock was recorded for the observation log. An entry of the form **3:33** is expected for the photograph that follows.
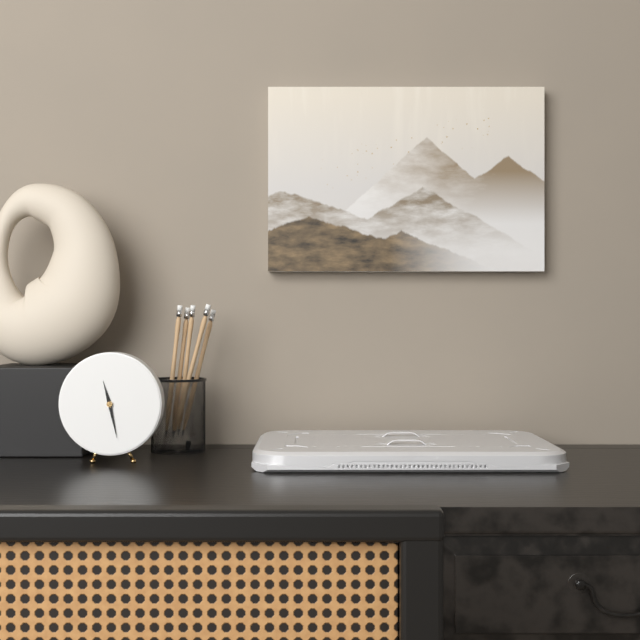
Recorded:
**11:28**
